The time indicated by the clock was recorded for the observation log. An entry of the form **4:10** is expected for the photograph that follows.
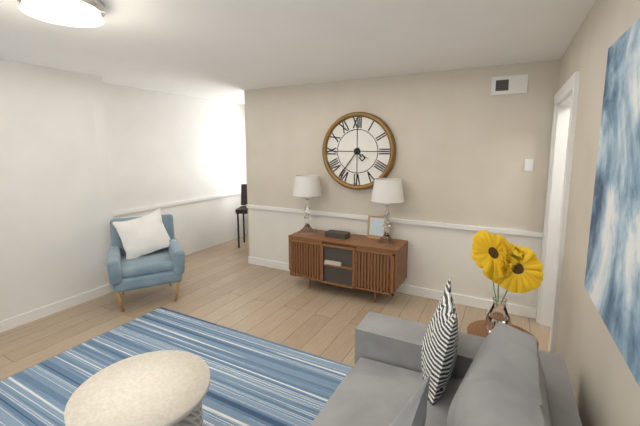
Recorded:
**4:36**
